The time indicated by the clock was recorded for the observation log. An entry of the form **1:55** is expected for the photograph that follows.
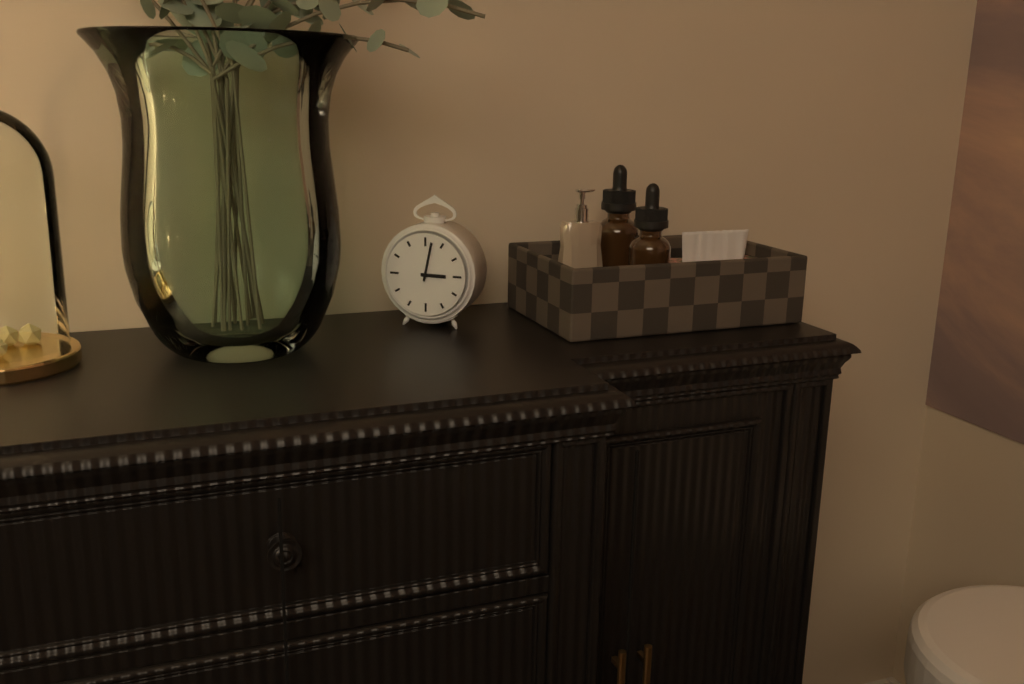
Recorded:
**3:02**
